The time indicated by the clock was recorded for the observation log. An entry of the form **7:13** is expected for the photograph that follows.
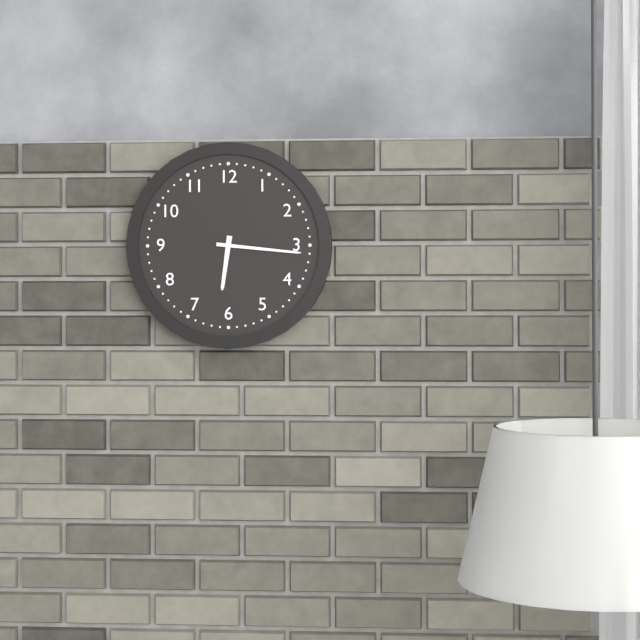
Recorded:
**6:16**
